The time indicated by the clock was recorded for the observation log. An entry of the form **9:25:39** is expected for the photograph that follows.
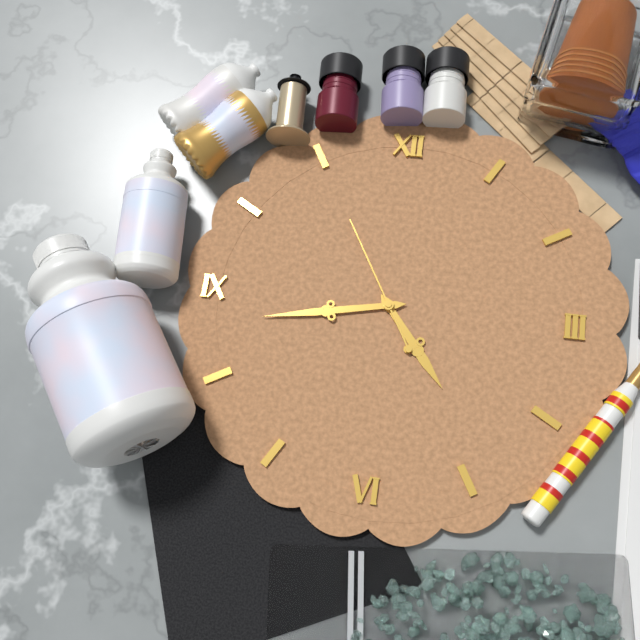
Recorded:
**4:43:55**
